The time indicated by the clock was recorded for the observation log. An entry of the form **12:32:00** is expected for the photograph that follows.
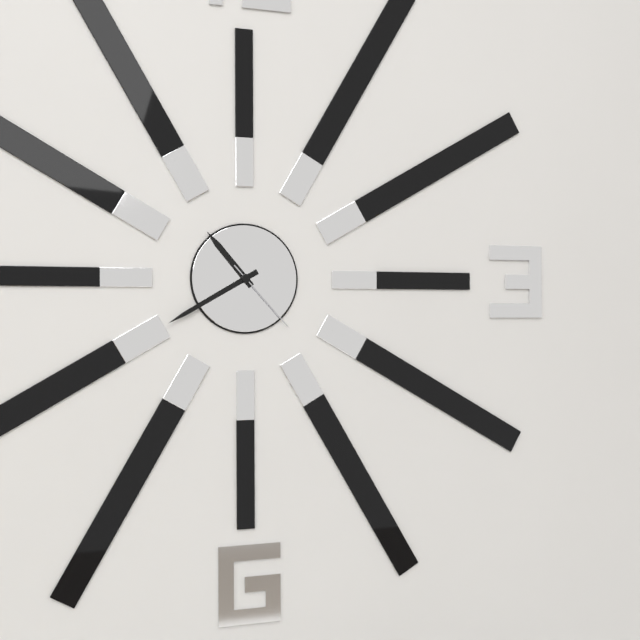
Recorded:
**10:40:23**
